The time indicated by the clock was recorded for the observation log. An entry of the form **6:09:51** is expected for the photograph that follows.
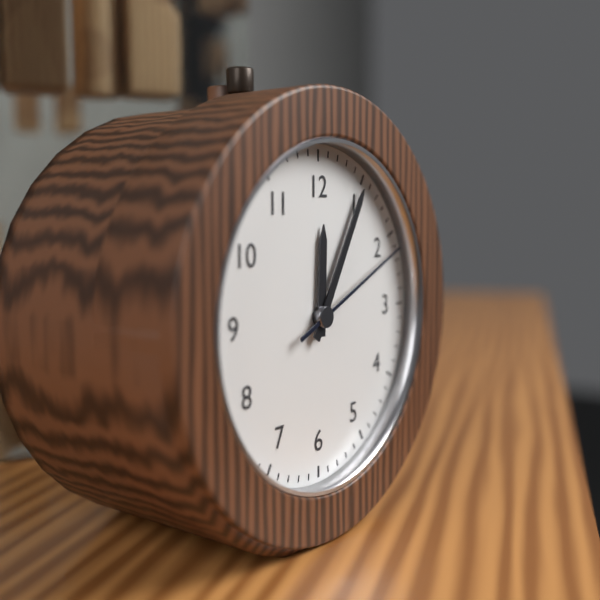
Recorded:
**12:05:11**
